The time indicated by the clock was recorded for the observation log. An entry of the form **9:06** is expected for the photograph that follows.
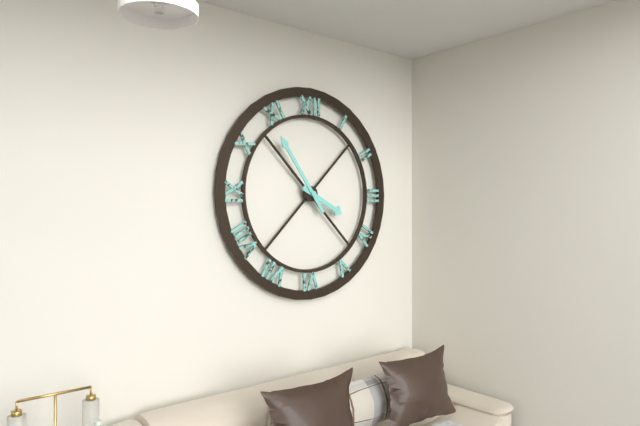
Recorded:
**3:54**
